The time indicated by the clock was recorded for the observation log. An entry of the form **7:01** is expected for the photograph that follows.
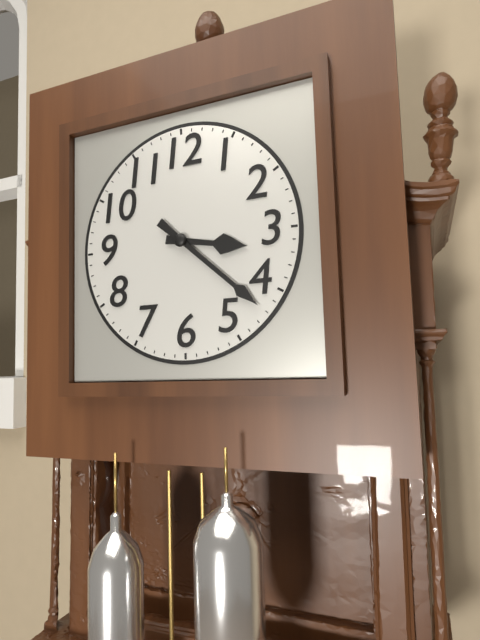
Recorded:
**3:22**
